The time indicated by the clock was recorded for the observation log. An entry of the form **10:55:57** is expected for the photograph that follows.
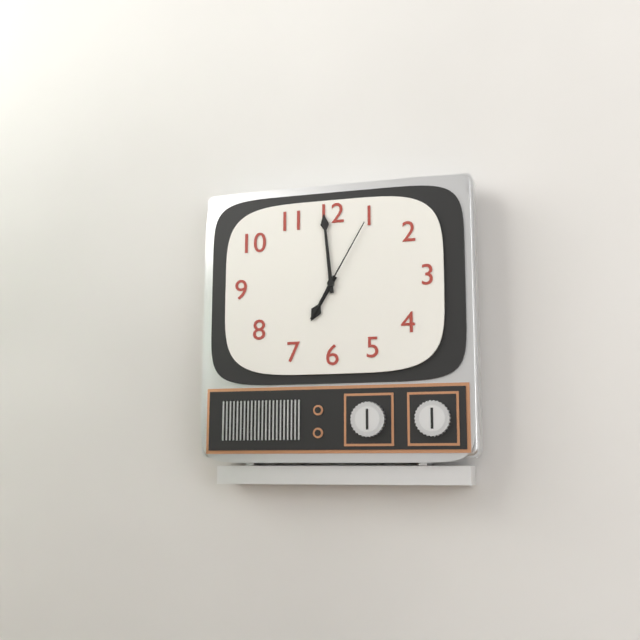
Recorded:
**6:59:05**
